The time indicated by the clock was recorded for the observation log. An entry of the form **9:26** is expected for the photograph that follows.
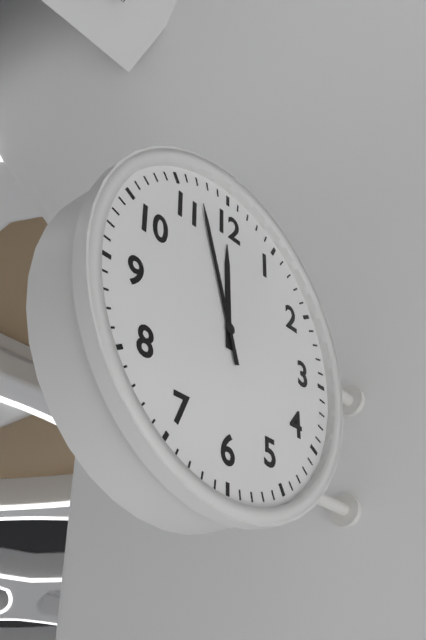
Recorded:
**11:57**
